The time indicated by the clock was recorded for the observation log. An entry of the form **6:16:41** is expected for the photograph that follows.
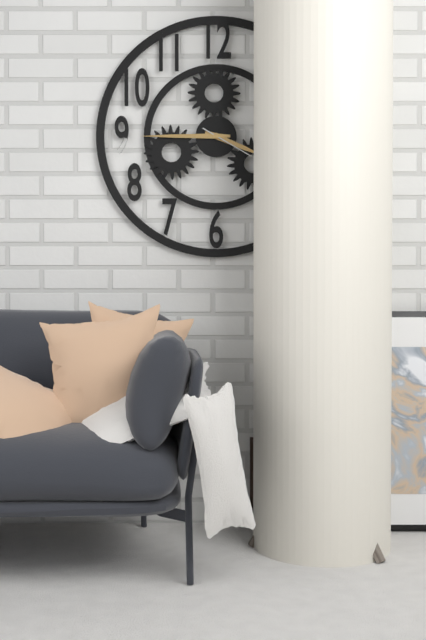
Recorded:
**3:45:20**
